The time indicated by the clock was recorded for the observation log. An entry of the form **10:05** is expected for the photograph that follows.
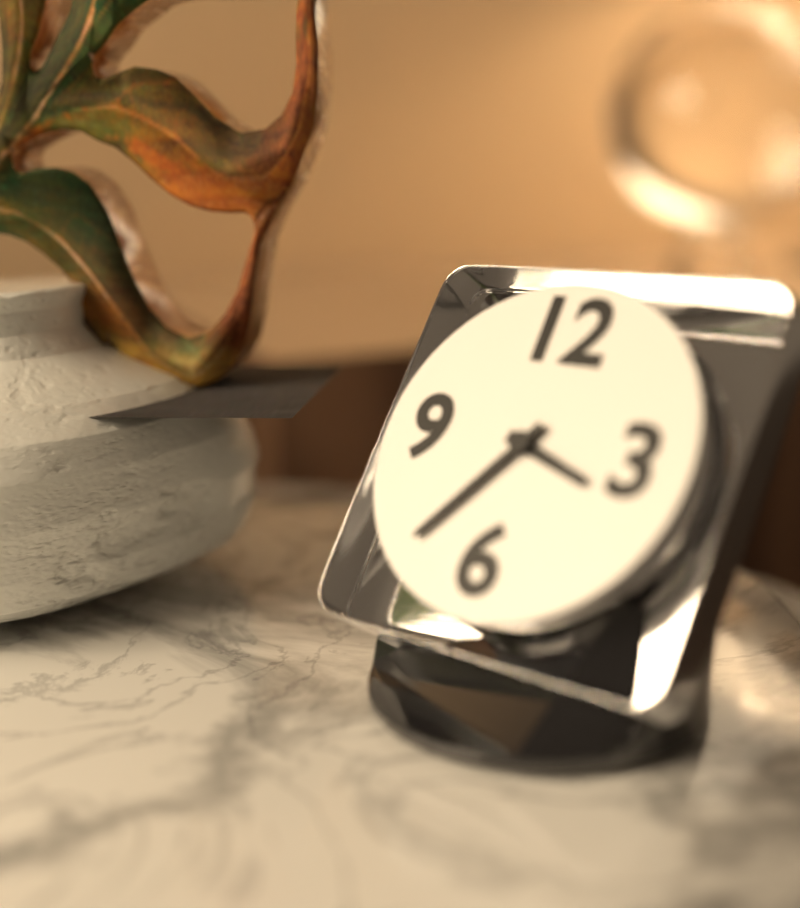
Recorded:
**3:36**
